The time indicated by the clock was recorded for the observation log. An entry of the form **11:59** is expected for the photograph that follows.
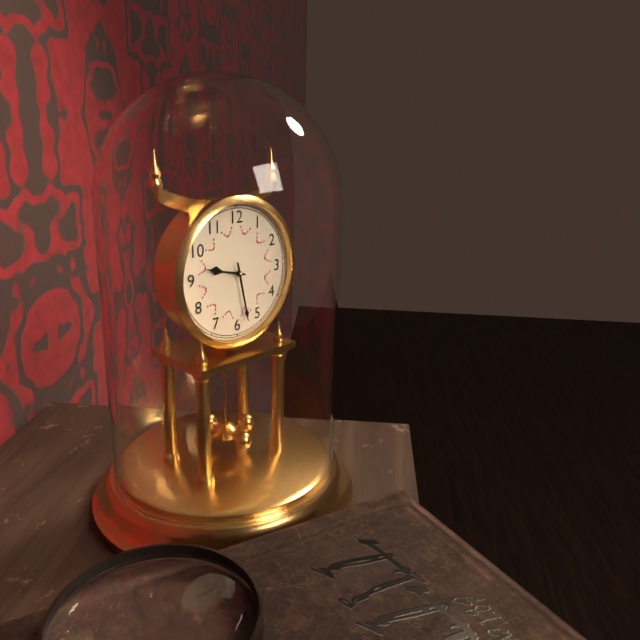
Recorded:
**9:28**
